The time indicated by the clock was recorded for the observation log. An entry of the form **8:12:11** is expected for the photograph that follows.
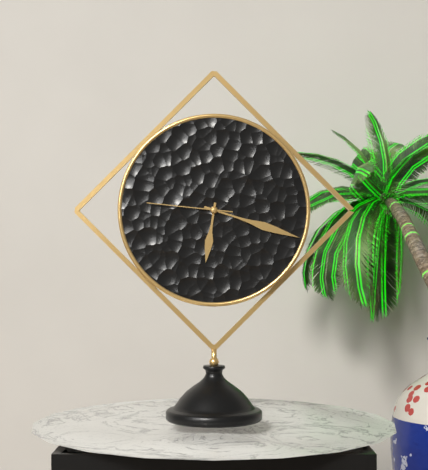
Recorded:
**6:18:46**
